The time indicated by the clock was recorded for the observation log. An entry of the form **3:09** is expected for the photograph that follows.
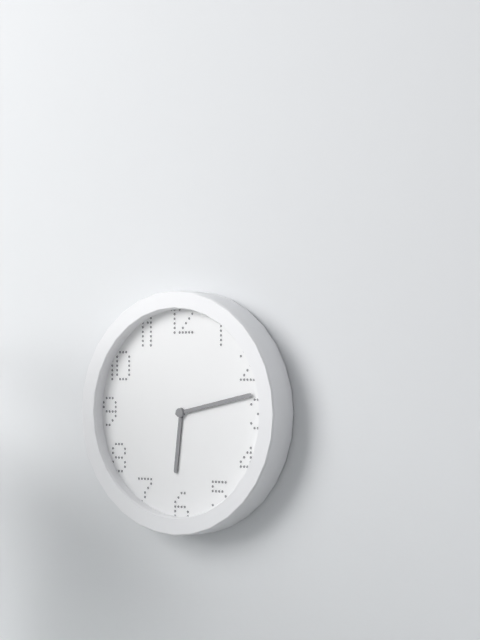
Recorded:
**6:13**
